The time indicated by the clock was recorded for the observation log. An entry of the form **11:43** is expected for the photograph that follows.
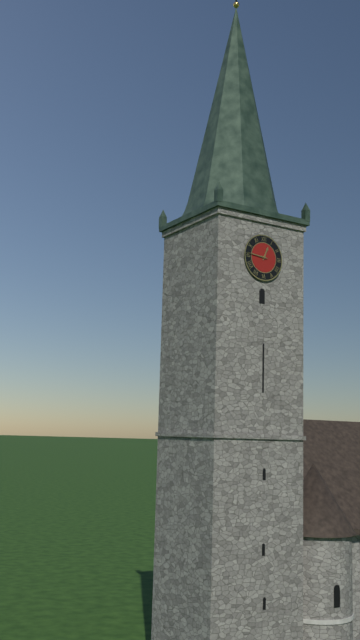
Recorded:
**12:46**
